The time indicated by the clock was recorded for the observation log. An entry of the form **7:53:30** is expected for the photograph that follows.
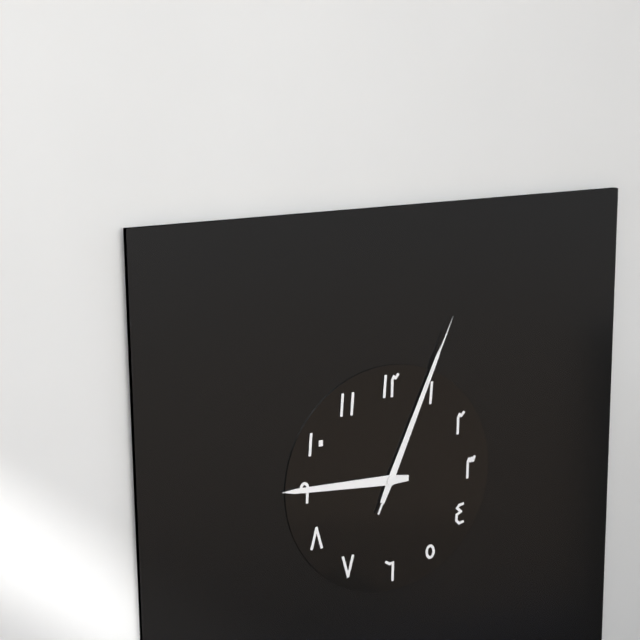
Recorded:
**9:04:04**
